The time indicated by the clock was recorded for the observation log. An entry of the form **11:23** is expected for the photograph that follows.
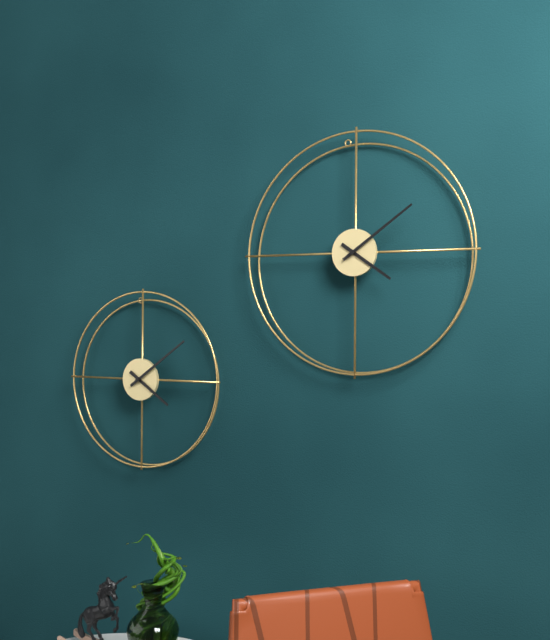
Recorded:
**4:09**
